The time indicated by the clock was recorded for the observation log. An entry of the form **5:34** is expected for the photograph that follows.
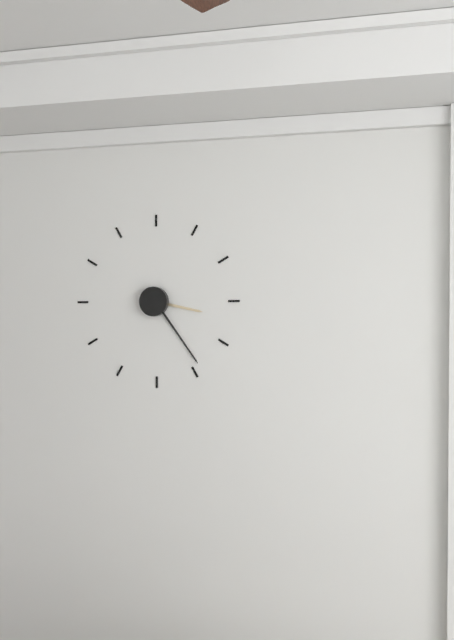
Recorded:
**3:24**
